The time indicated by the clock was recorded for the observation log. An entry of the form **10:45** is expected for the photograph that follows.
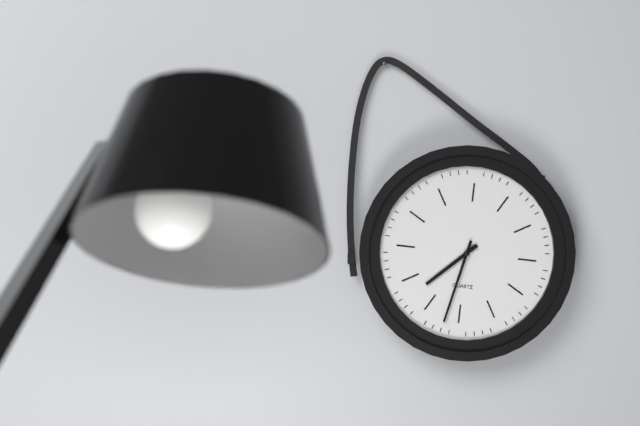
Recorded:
**7:32**
